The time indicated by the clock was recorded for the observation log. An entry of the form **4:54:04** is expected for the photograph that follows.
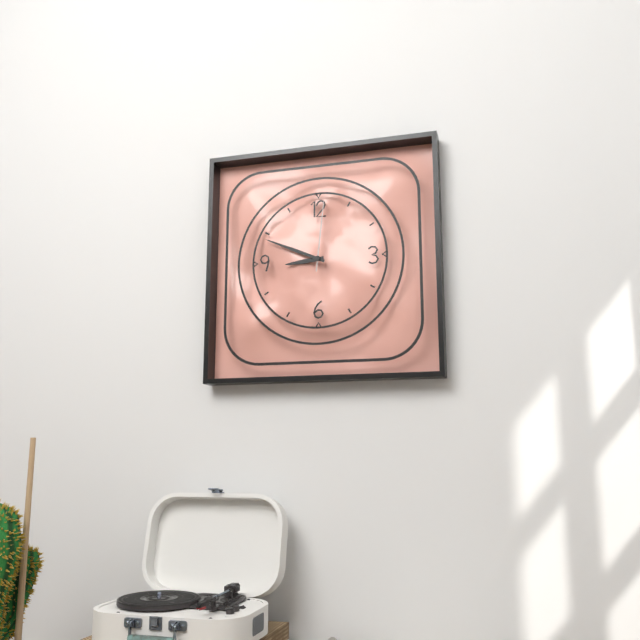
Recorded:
**8:49:01**
